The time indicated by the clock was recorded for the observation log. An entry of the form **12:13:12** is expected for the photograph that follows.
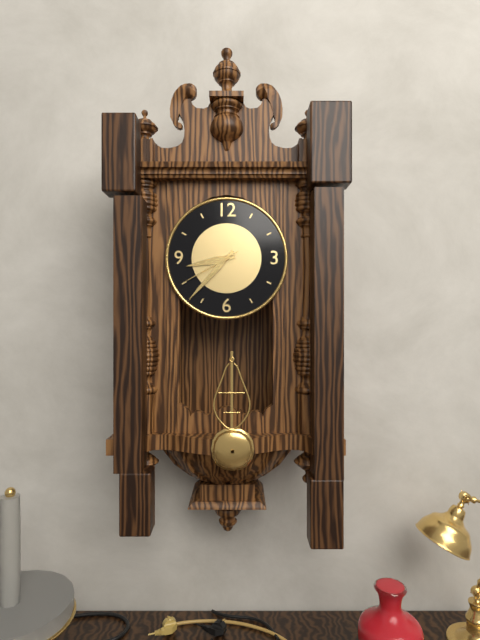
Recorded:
**8:37:40**
